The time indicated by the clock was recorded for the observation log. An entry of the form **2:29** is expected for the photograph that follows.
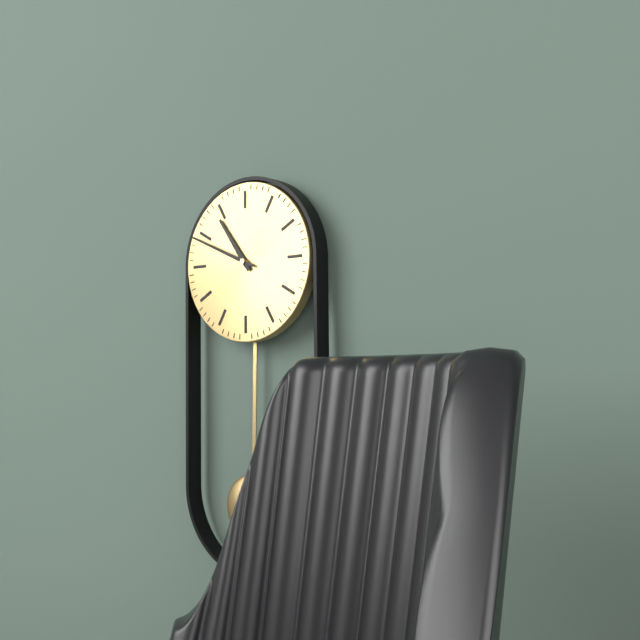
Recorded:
**10:49**
